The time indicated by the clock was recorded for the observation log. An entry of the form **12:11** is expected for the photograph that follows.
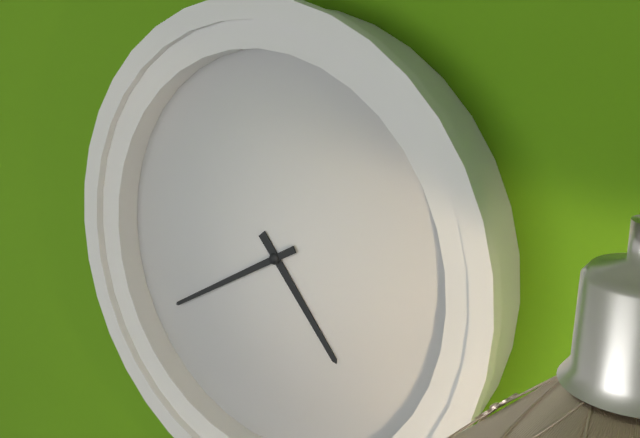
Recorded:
**4:40**
